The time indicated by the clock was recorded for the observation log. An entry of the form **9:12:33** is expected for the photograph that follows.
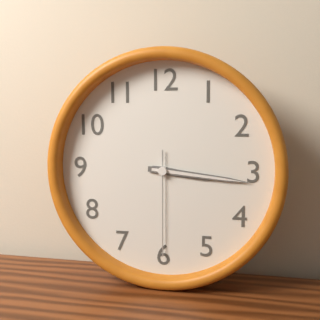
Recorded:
**3:16:30**
